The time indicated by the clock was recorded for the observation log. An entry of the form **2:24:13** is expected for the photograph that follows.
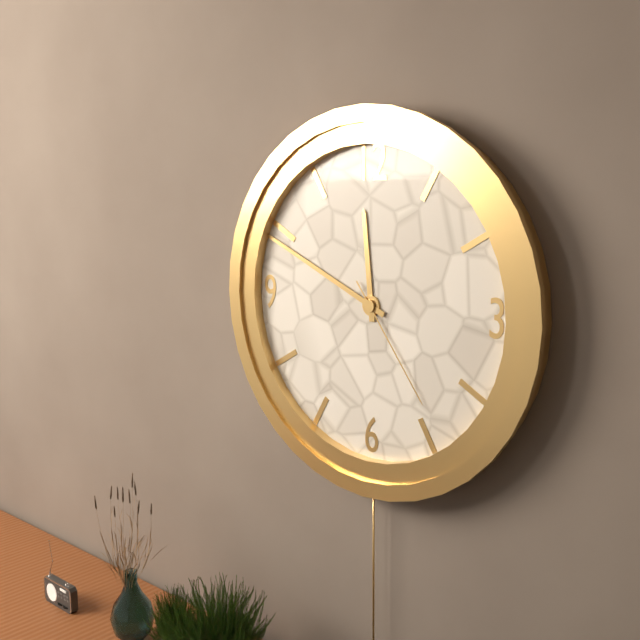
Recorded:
**11:49:24**
